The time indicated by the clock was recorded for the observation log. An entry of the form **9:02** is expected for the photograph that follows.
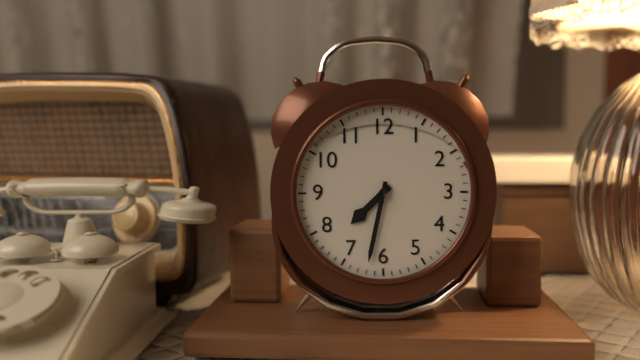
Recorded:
**7:32**
